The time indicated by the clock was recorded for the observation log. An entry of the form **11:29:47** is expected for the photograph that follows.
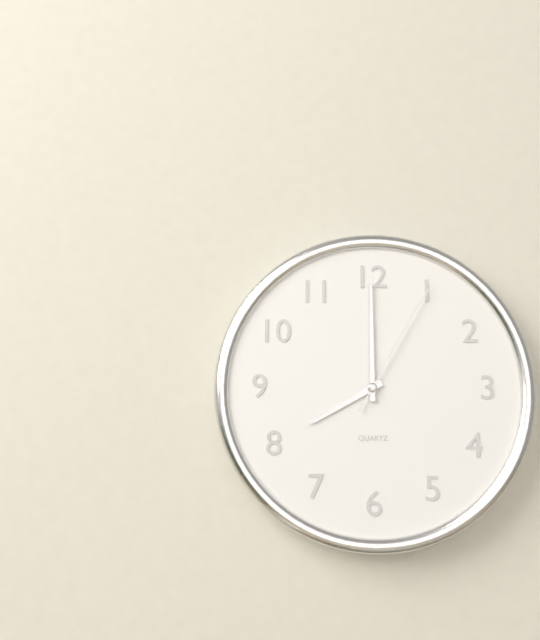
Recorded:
**8:00:05**
